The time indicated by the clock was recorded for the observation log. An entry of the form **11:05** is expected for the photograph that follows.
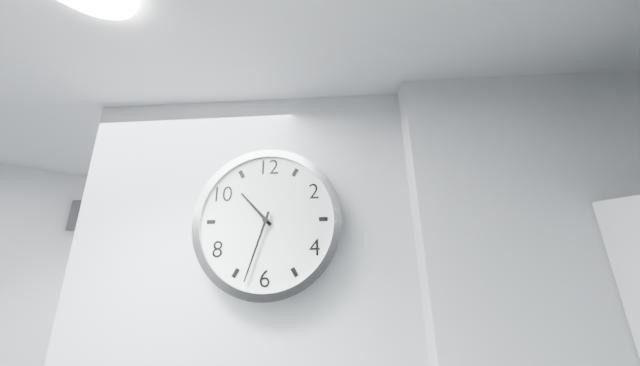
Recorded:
**10:33**
